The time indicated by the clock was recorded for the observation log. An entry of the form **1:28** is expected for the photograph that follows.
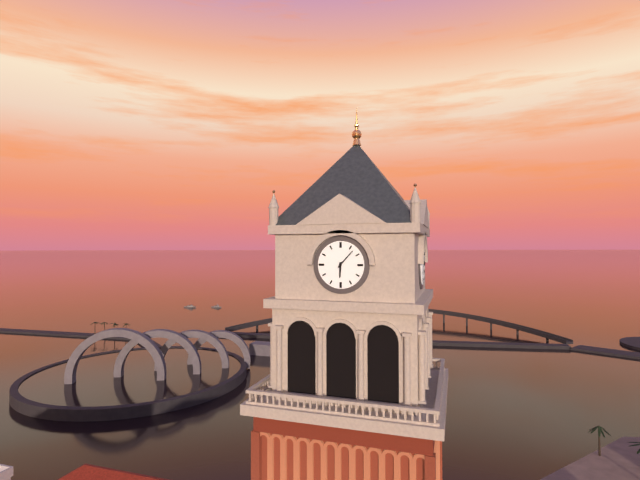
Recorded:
**6:07**
